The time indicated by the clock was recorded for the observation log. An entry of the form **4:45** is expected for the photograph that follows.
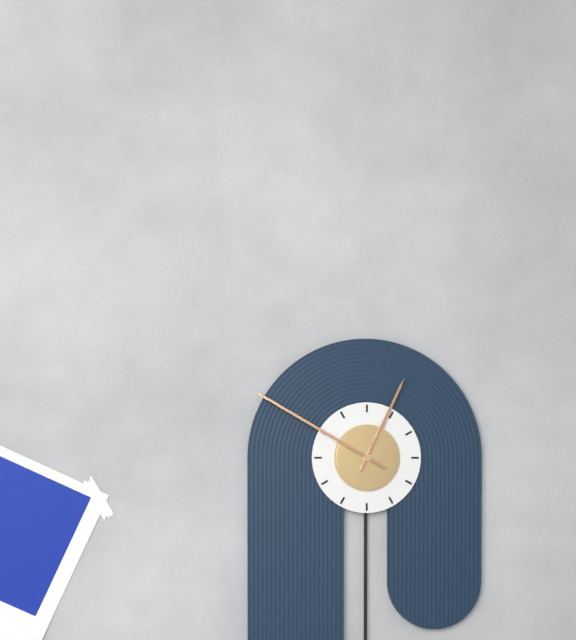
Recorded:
**12:50**
